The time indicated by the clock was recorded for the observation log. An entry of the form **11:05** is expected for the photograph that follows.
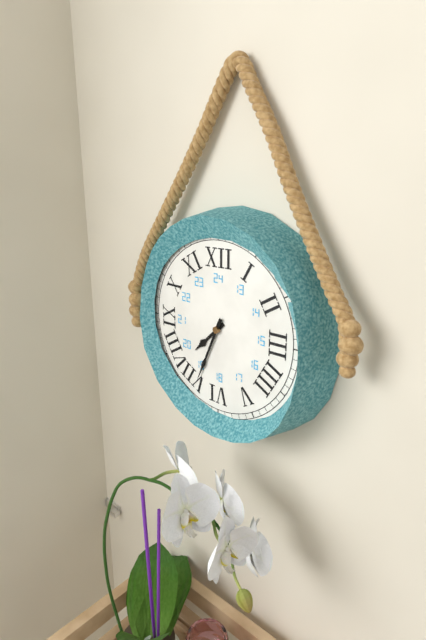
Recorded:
**7:34**
